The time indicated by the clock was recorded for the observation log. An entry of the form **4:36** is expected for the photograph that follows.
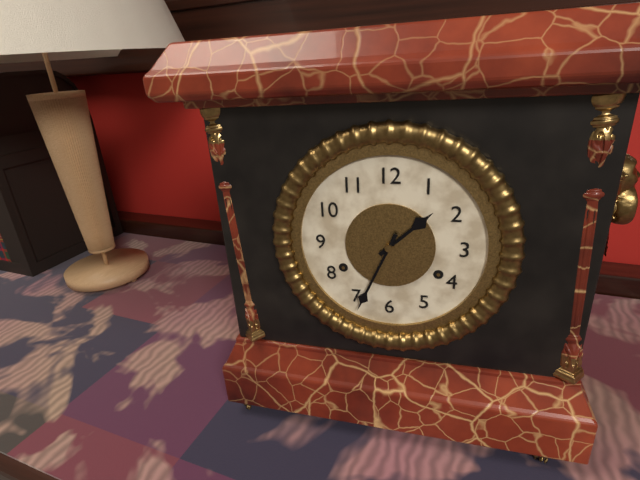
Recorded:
**1:34**
